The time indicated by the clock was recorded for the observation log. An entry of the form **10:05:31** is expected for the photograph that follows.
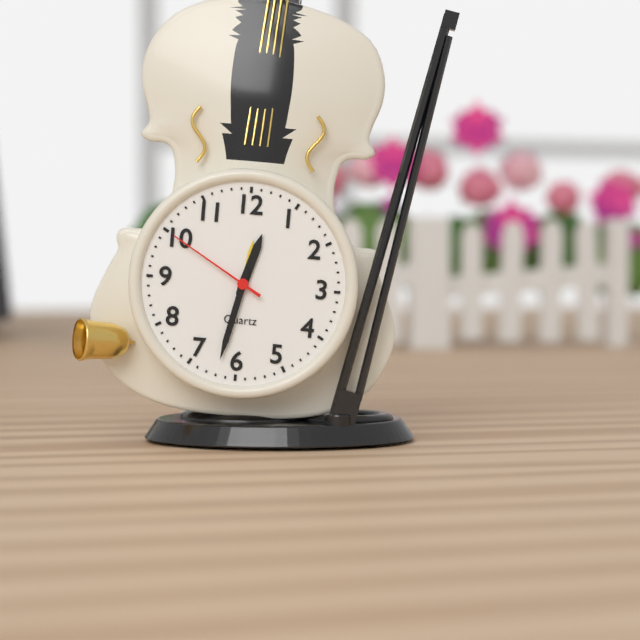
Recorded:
**12:32:50**
